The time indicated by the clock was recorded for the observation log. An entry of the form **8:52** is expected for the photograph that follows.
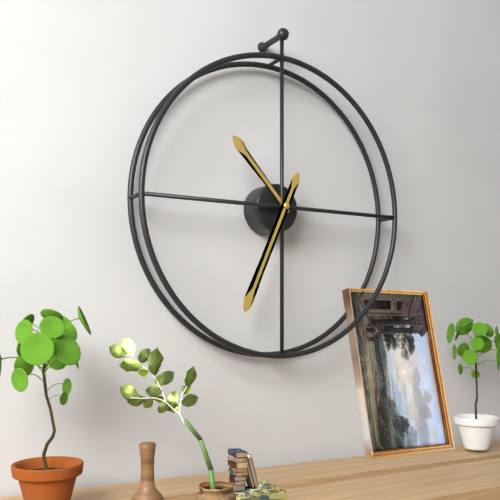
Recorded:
**10:34**
